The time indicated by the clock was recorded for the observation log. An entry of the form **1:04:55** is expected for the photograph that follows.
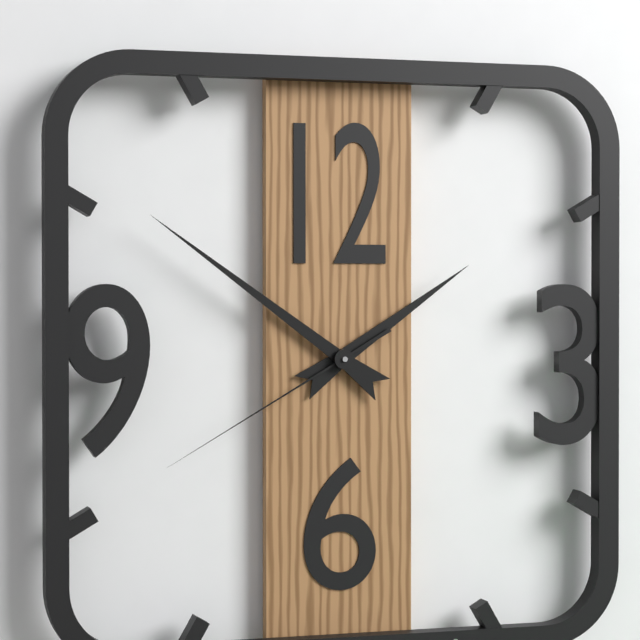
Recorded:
**1:51:40**
